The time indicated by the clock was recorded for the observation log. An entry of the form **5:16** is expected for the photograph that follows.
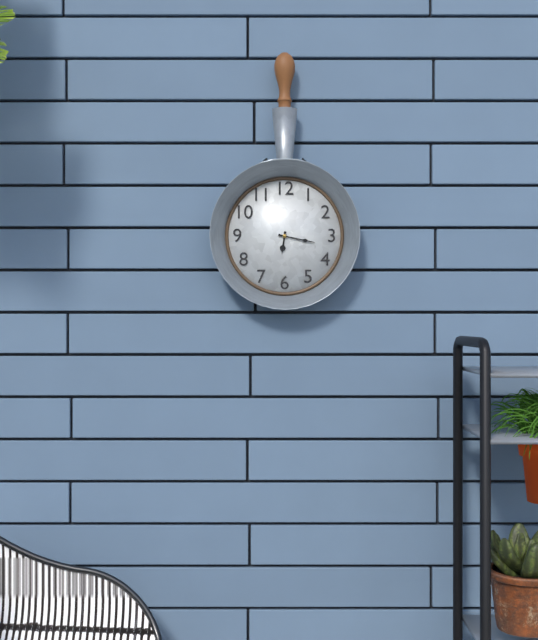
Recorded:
**6:17**
